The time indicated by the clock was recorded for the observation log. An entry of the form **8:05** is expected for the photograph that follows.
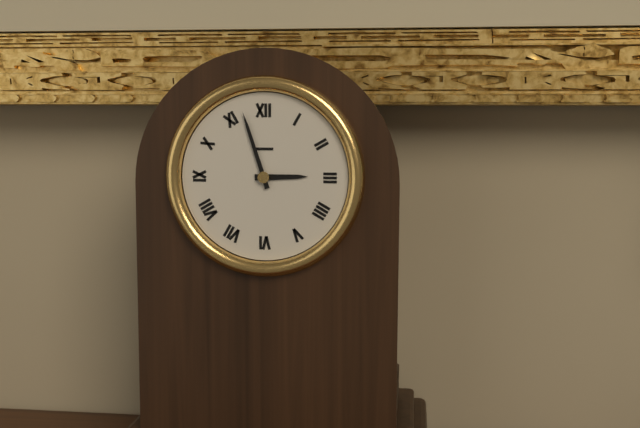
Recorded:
**2:57**
